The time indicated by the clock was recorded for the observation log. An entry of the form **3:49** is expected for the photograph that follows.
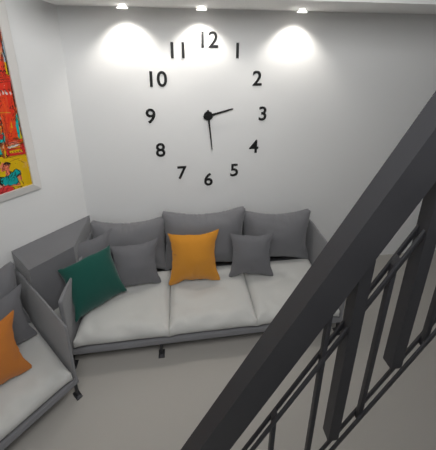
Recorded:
**2:29**
